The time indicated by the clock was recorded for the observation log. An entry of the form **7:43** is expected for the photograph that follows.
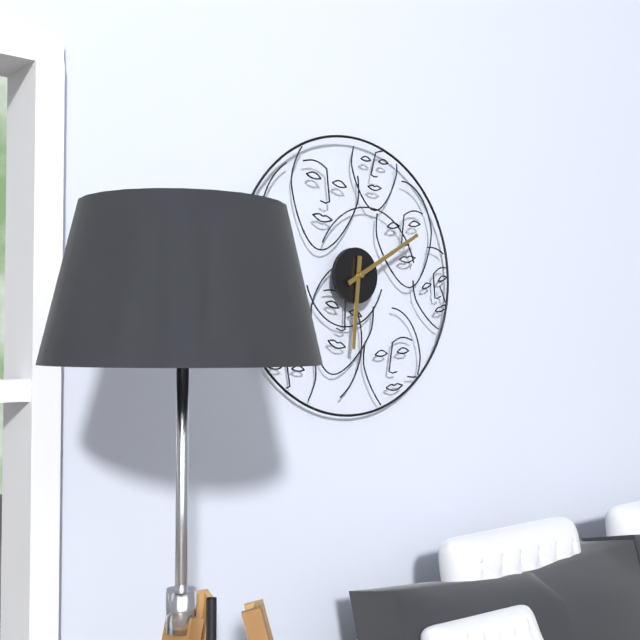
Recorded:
**6:10**
